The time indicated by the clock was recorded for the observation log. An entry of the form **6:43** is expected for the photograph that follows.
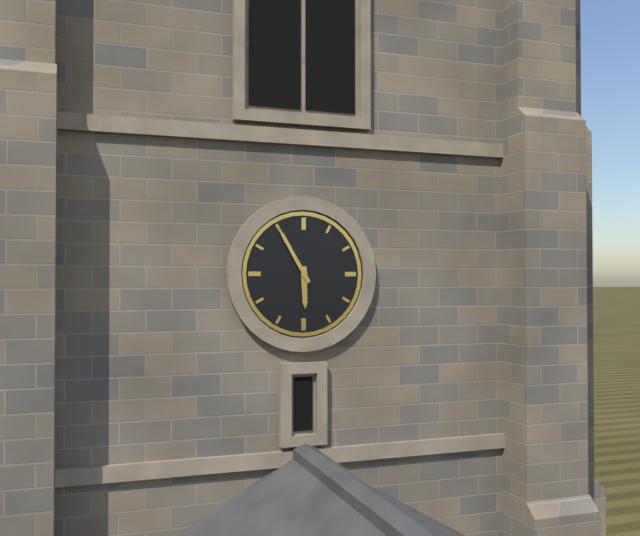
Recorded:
**5:55**
